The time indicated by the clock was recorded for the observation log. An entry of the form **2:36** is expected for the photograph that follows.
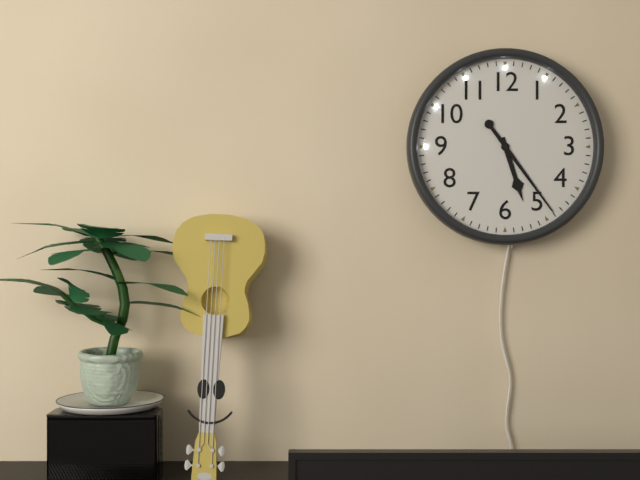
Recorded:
**5:24**
